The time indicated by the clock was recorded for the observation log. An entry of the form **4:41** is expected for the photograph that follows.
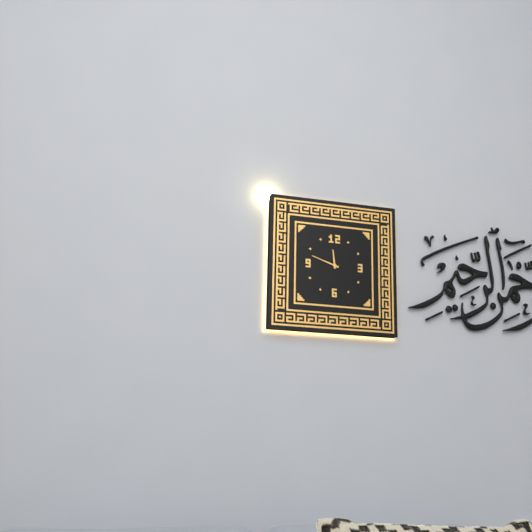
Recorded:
**11:48**
